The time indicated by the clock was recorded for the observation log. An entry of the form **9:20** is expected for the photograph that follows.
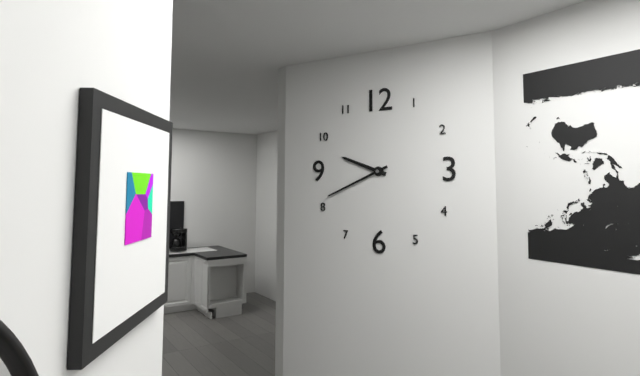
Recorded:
**9:41**
